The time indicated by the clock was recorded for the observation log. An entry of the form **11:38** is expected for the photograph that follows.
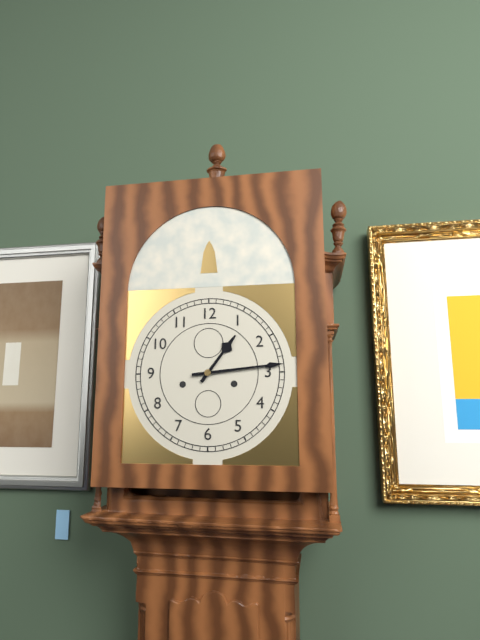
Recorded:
**1:14**
